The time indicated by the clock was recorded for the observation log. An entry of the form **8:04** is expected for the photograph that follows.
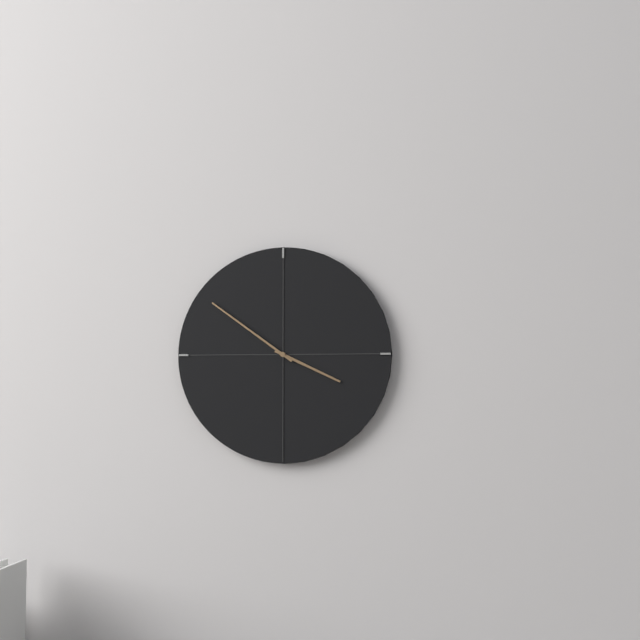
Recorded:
**3:51**
